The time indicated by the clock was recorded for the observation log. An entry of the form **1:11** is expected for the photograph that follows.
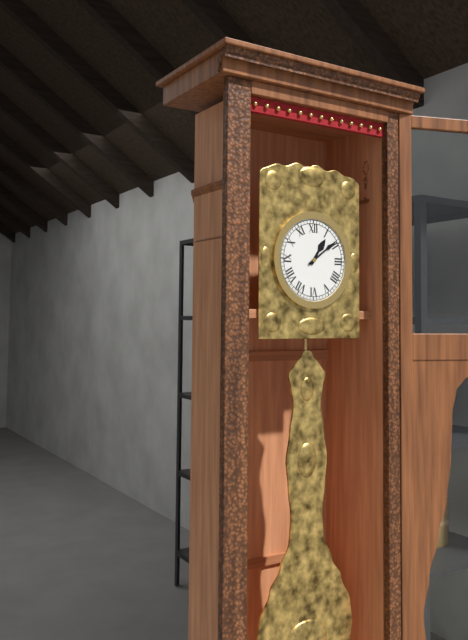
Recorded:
**1:09**
